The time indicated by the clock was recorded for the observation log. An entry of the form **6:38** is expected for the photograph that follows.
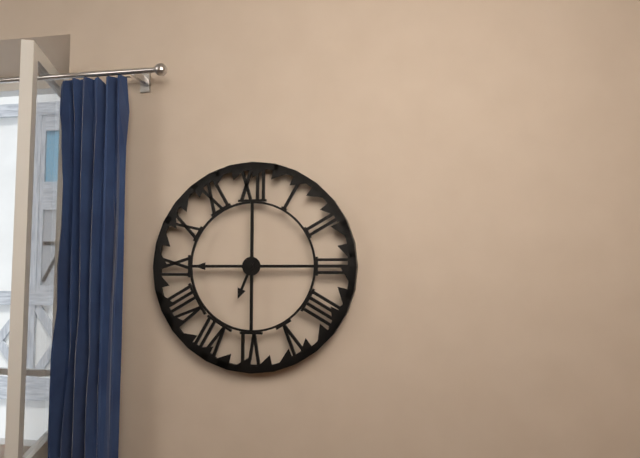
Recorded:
**6:45**
